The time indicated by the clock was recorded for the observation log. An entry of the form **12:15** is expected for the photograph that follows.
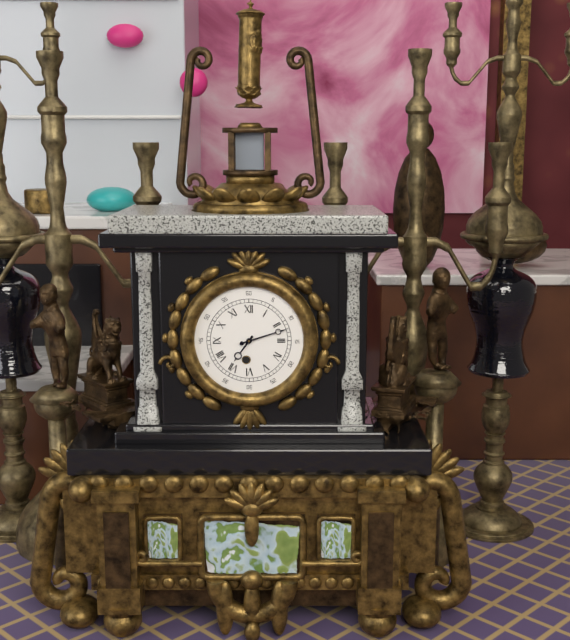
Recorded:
**7:12**
